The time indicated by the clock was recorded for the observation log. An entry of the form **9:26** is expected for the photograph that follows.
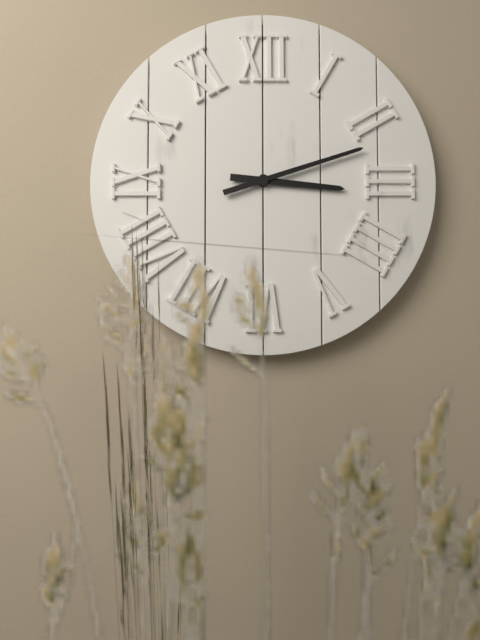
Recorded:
**3:12**
